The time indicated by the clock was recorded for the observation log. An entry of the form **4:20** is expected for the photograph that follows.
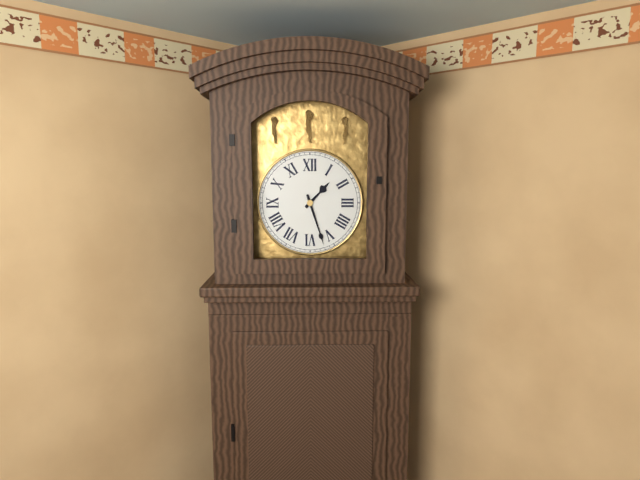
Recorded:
**1:27**
